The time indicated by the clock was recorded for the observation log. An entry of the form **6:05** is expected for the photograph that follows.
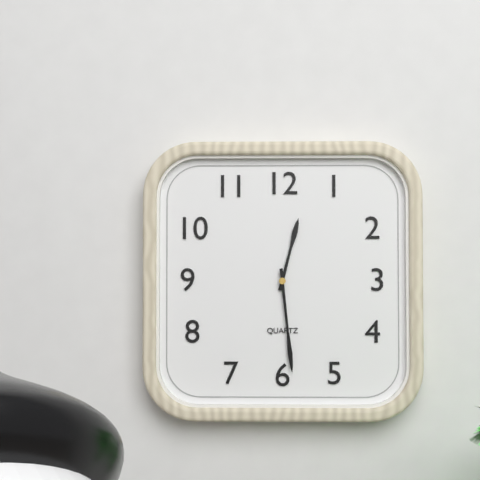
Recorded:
**12:29**
